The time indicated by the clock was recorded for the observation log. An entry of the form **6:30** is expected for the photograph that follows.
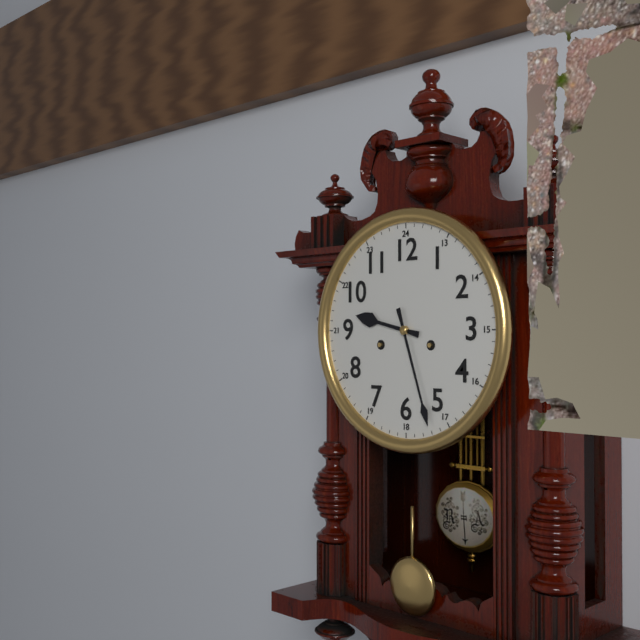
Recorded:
**9:27**
